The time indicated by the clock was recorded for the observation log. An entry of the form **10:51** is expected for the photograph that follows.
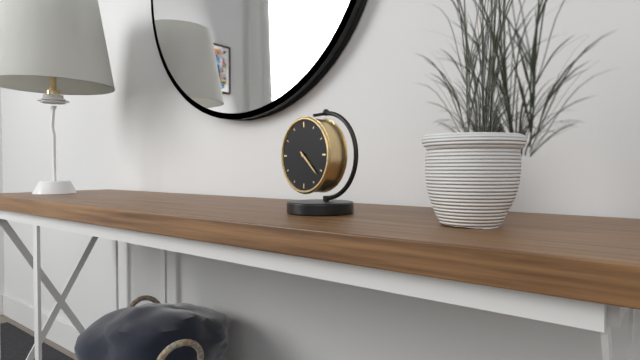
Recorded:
**4:22**
